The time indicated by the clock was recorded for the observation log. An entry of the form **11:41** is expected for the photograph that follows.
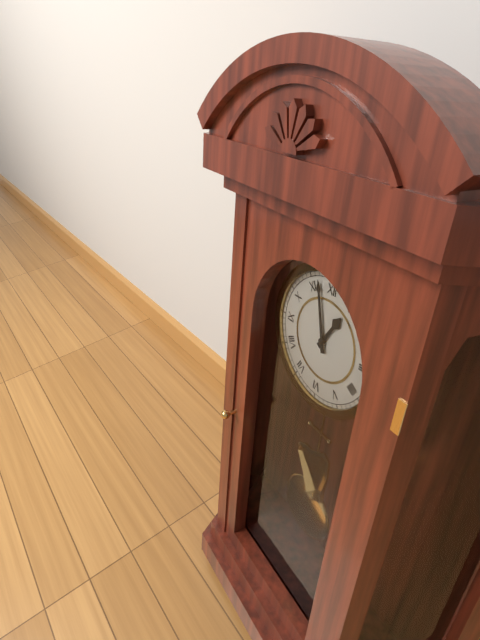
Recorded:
**12:57**
